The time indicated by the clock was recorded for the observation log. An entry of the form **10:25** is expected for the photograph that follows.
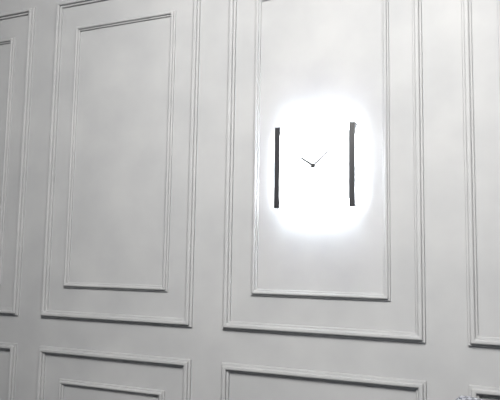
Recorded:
**10:08**
